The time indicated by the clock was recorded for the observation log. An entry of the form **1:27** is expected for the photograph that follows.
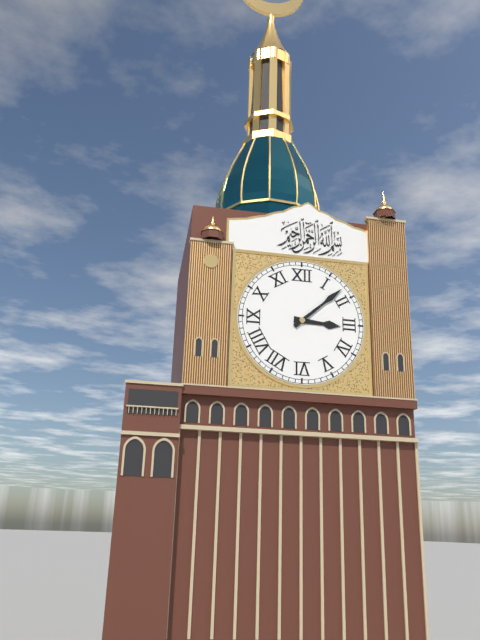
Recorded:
**3:08**
